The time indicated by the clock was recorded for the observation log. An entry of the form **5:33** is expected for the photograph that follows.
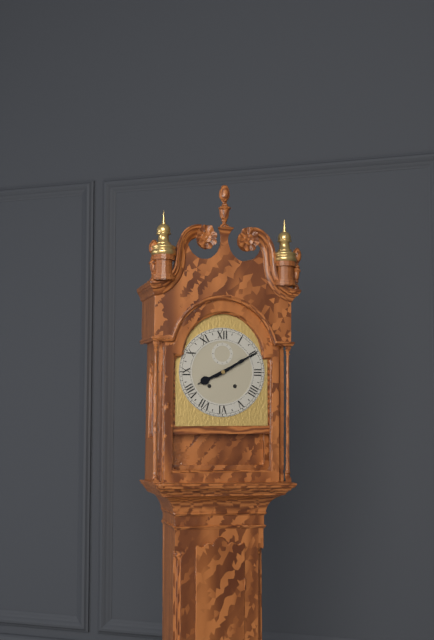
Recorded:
**8:10**
